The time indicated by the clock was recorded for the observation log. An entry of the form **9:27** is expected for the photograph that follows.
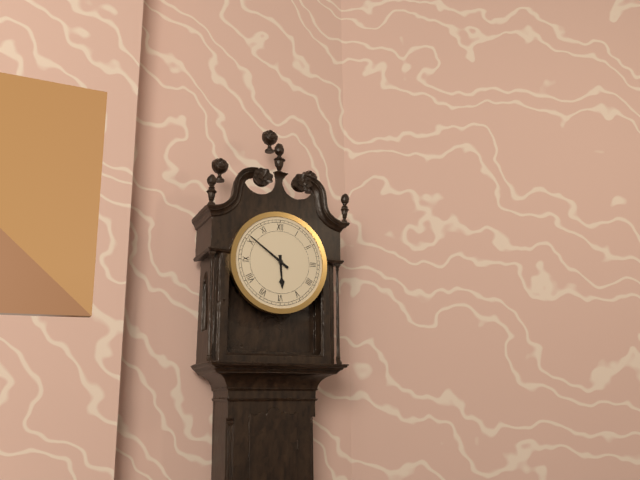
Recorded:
**5:51**
